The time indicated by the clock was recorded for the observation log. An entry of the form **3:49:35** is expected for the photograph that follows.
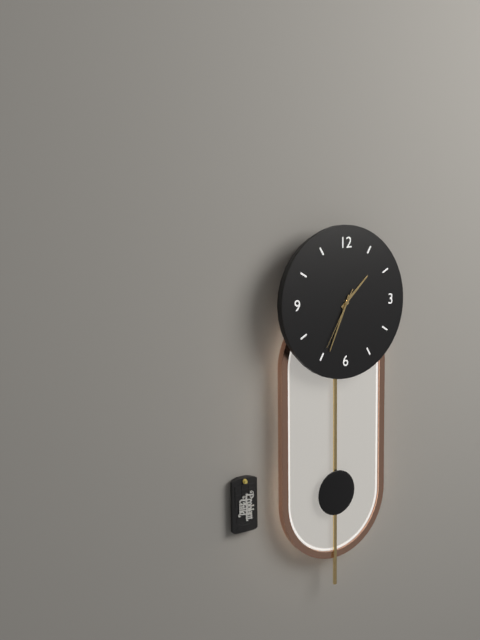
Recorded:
**1:34:35**
